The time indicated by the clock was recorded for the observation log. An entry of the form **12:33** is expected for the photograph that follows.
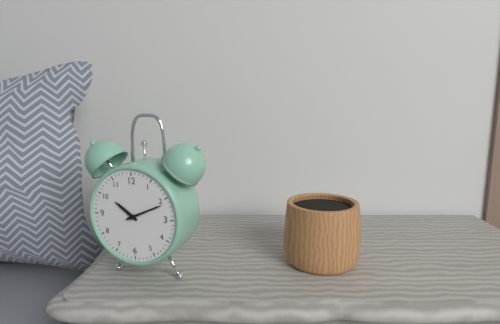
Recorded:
**10:11**
